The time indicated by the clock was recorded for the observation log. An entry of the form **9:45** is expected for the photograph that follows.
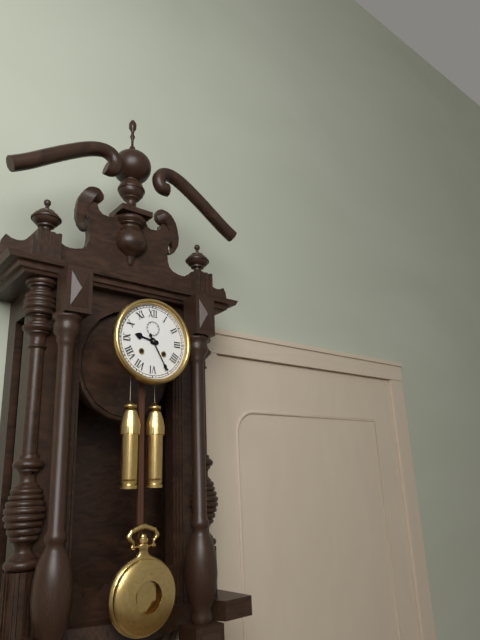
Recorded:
**9:25**
